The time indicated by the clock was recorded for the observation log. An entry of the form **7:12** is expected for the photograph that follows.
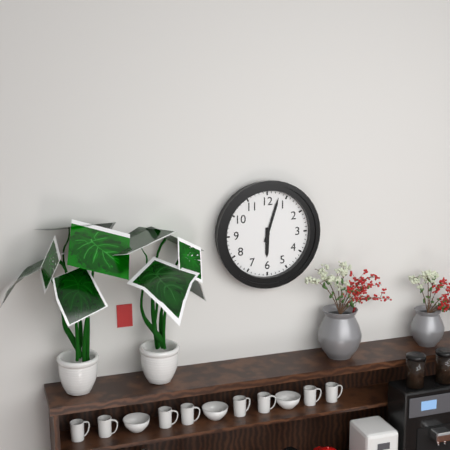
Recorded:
**6:03**
